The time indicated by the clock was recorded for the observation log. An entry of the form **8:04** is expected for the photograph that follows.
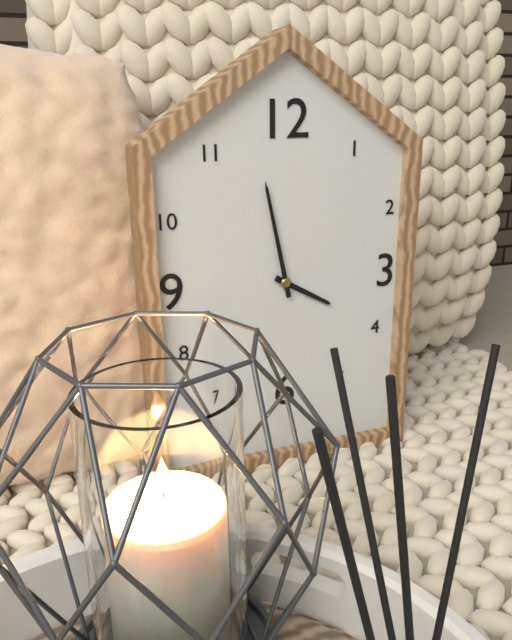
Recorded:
**3:58**
